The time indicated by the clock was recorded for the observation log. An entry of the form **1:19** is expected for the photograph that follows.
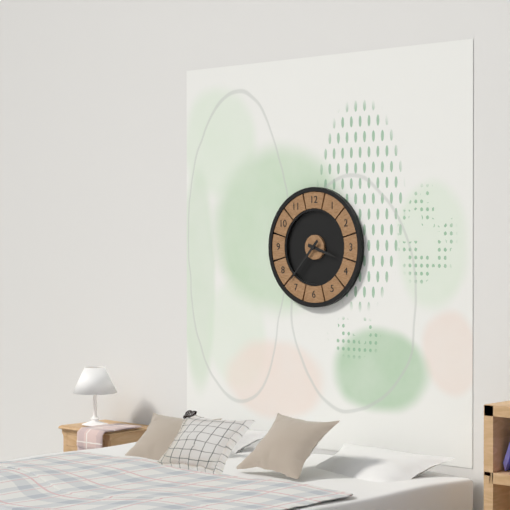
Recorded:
**3:37**
